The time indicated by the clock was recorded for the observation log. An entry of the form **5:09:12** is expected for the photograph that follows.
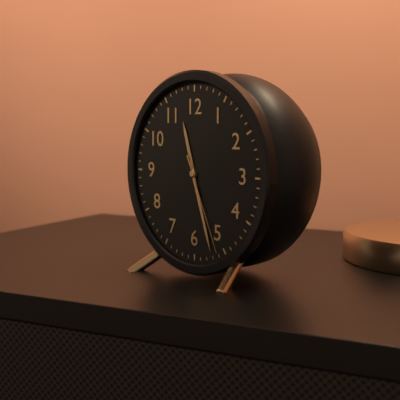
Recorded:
**11:27:26**
